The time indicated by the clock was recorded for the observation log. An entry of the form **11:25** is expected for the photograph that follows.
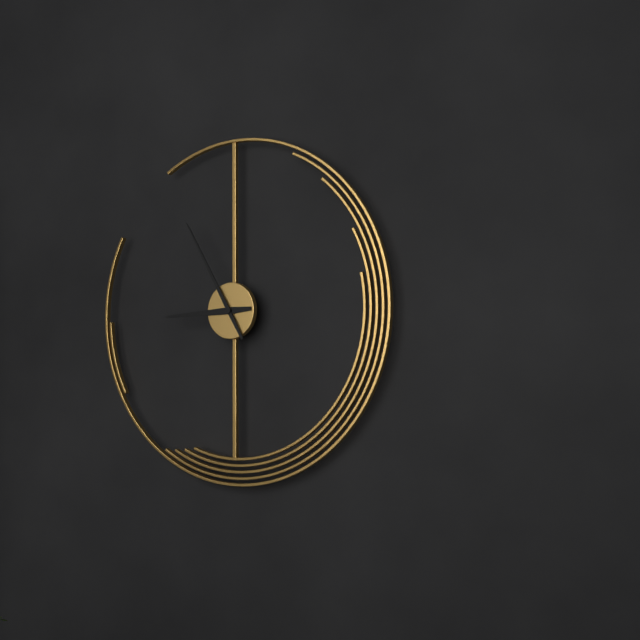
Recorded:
**8:55**
